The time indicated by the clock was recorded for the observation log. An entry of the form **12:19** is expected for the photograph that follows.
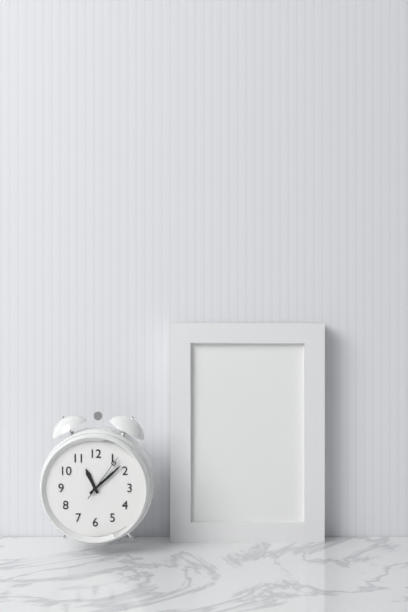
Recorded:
**11:08**
